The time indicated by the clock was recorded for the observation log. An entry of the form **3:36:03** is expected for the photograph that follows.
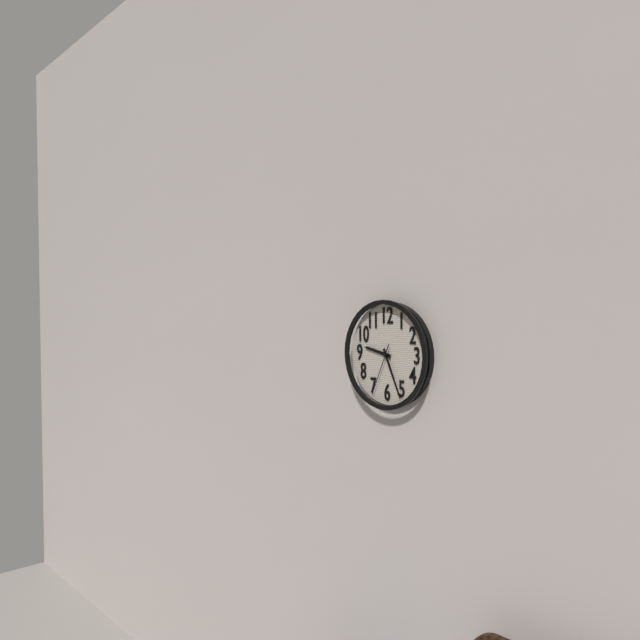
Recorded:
**9:26:34**
